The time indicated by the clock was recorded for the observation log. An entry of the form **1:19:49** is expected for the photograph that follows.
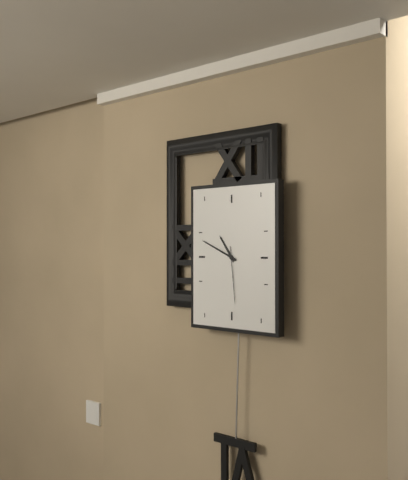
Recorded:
**10:49:29**
